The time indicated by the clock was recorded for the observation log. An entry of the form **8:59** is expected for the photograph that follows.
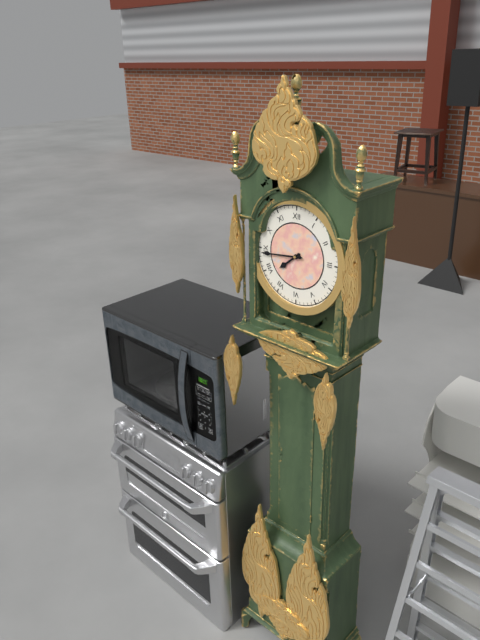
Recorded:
**7:44**
